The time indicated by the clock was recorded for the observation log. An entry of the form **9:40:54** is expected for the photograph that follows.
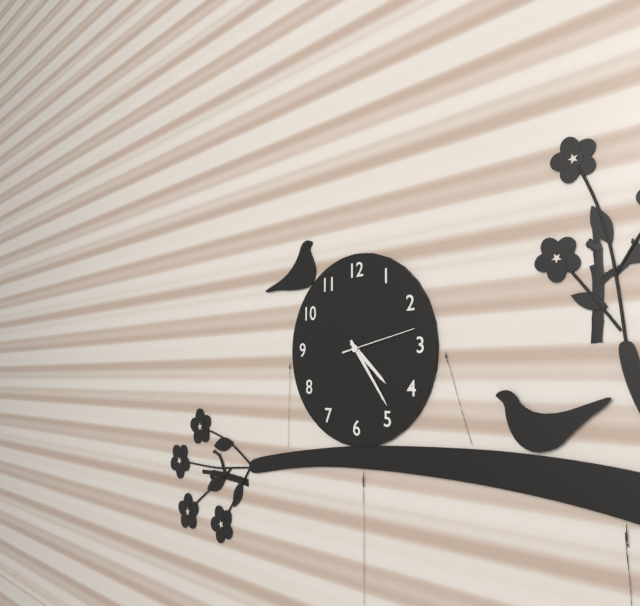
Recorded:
**4:24:13**
